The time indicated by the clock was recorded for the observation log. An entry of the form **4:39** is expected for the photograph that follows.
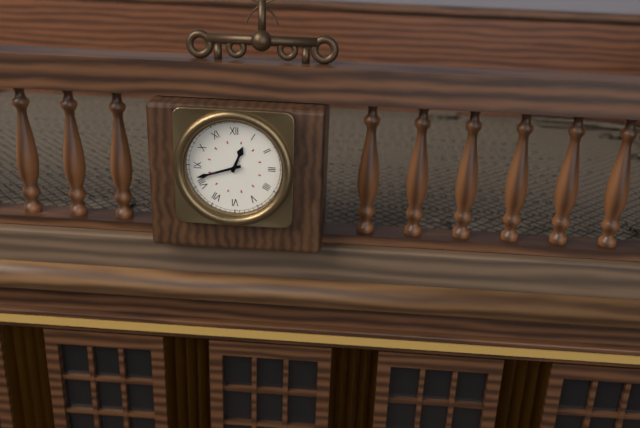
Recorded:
**12:42**
